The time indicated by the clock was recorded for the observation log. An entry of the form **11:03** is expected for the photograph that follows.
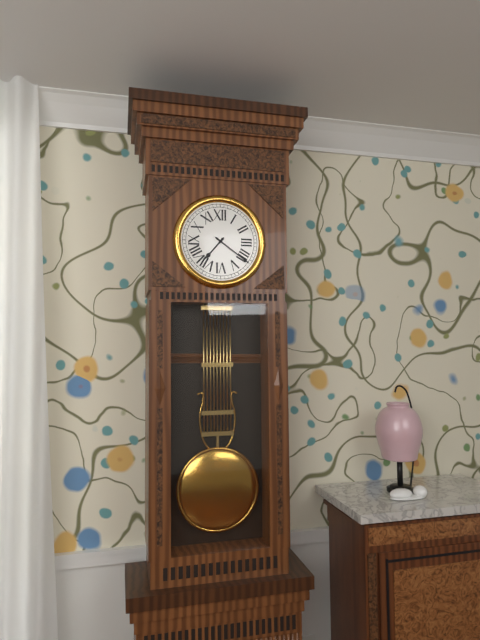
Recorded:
**7:21**
